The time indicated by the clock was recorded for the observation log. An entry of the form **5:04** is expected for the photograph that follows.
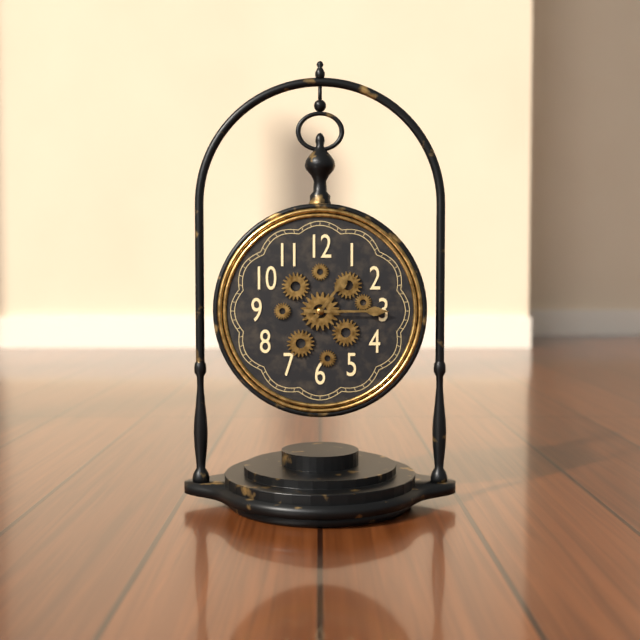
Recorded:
**1:15**
